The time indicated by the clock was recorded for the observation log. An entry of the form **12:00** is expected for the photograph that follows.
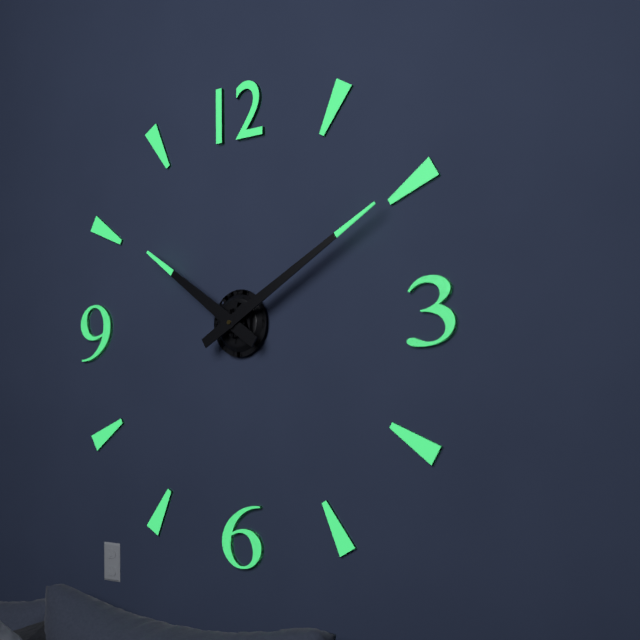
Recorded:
**10:10**
